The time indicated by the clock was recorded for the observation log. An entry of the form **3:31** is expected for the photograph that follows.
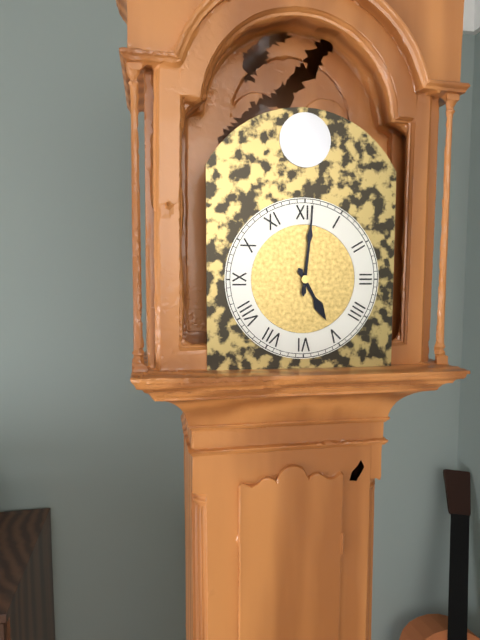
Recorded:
**5:01**
